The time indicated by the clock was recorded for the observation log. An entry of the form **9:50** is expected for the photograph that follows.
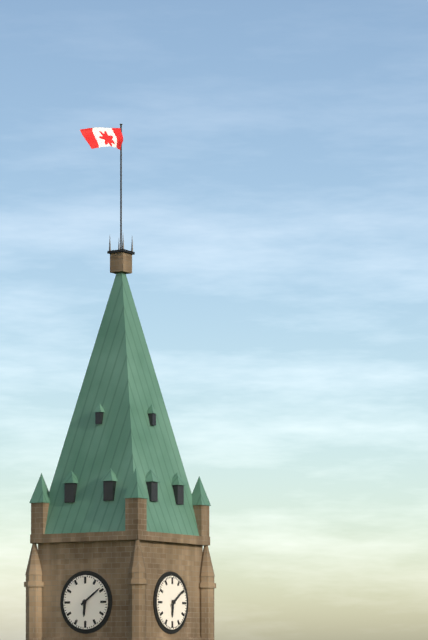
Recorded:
**6:09**
